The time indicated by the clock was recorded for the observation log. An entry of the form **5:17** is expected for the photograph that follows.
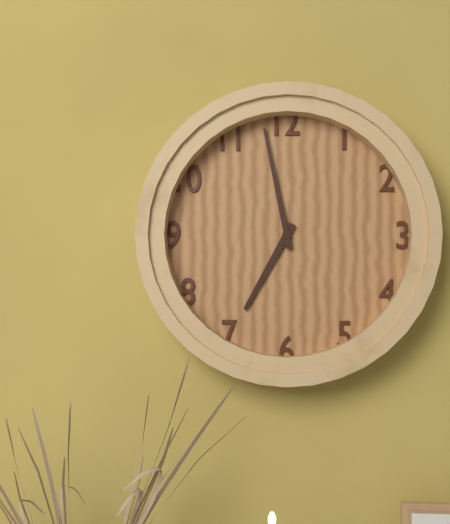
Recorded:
**6:58**
